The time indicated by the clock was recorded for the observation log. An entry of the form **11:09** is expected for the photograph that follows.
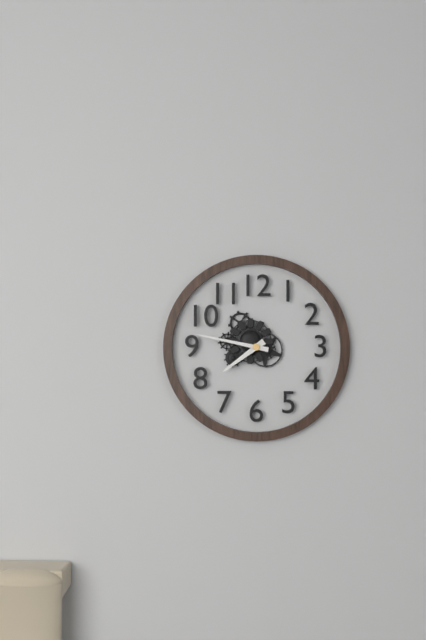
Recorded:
**7:47**
